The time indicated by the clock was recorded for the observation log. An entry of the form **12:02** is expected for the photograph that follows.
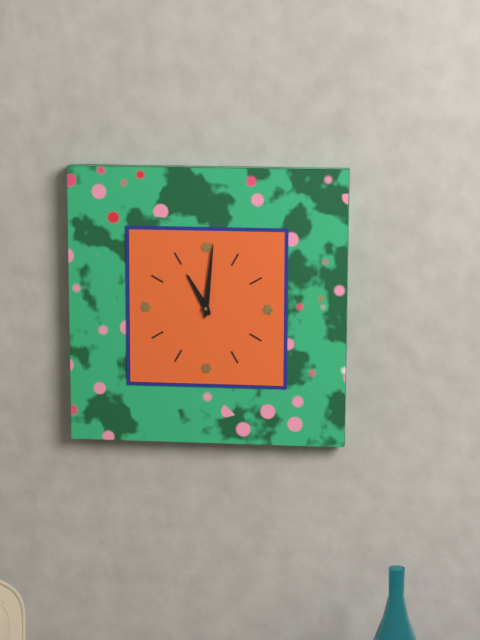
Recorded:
**11:01**
